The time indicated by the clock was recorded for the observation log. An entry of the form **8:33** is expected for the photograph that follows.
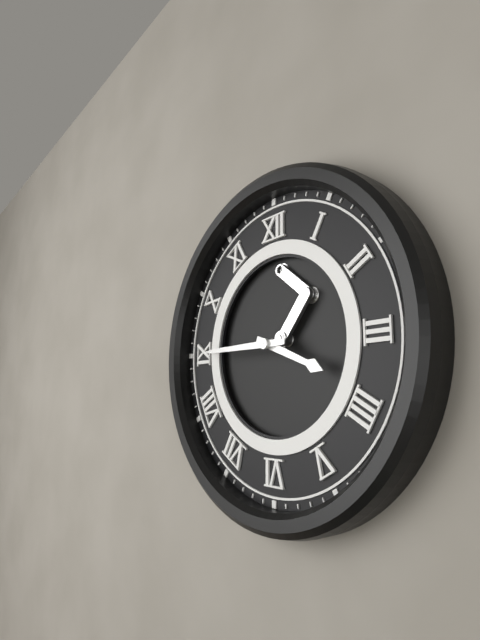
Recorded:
**3:45**
